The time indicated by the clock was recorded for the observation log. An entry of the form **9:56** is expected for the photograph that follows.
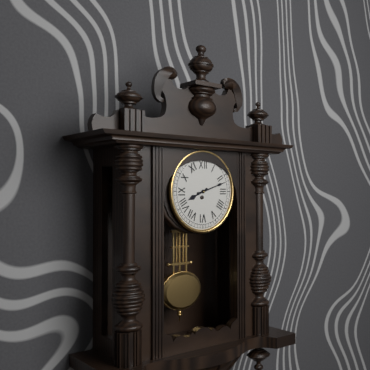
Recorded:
**8:12**
